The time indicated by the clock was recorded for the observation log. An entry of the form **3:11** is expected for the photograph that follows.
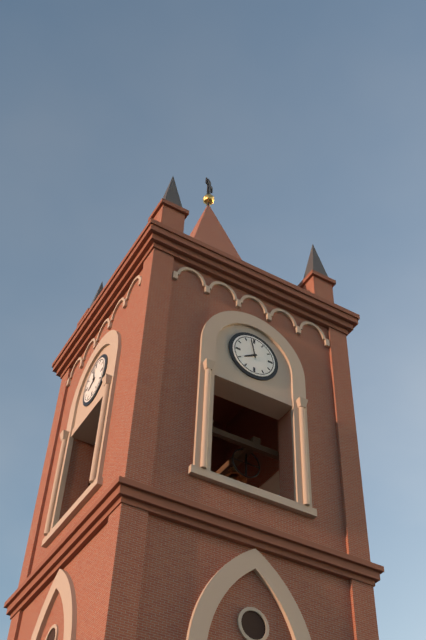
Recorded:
**7:58**
